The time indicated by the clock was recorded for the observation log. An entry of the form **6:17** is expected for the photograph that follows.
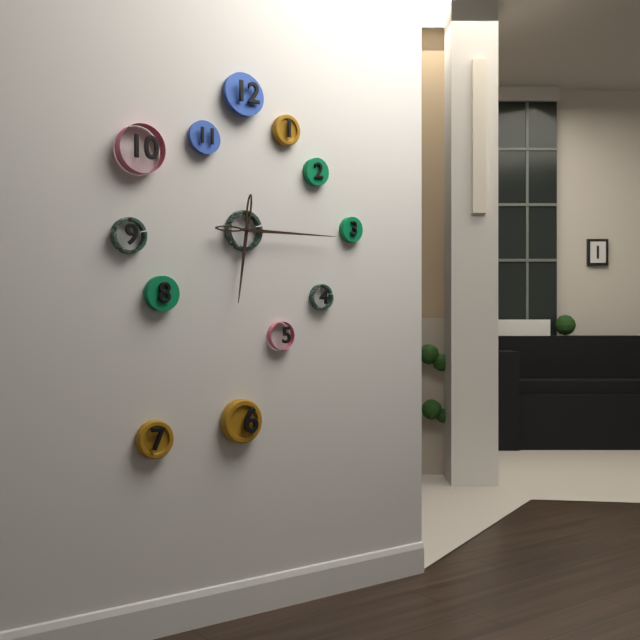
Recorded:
**6:15**
